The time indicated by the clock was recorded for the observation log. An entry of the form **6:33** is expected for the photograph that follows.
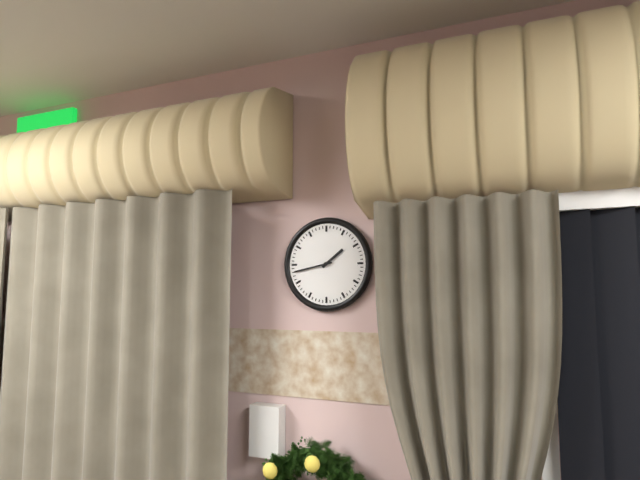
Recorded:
**1:43**
